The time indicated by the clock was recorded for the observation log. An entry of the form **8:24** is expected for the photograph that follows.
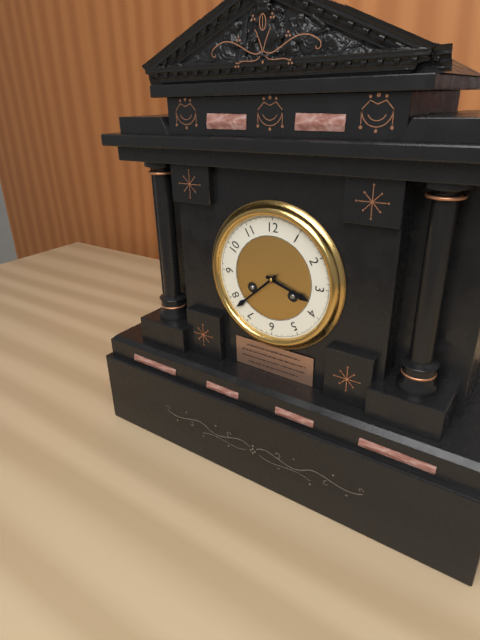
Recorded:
**3:38**
